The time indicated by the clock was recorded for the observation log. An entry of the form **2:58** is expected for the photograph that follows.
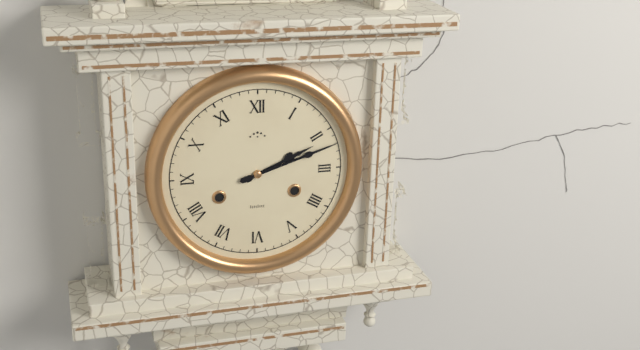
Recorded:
**2:12**
